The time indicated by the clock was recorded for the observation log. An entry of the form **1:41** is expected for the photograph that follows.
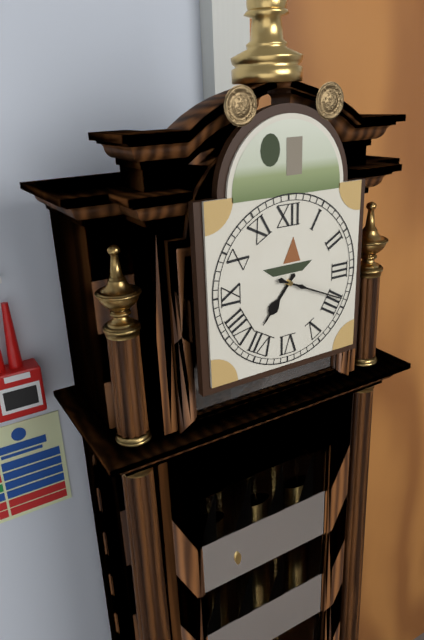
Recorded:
**7:19**
